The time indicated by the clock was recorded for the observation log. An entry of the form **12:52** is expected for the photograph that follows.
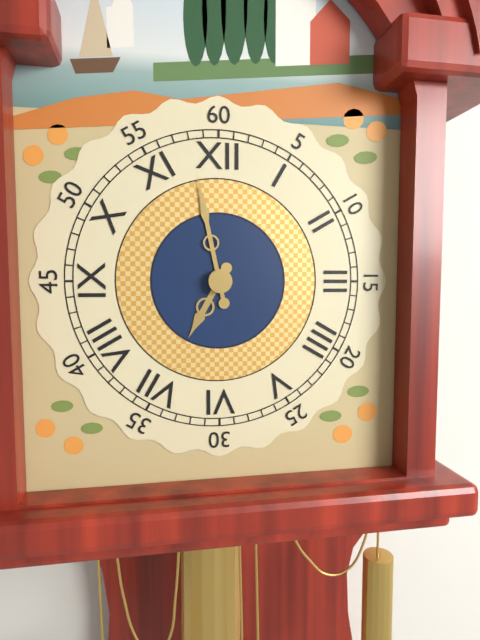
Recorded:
**6:58**
